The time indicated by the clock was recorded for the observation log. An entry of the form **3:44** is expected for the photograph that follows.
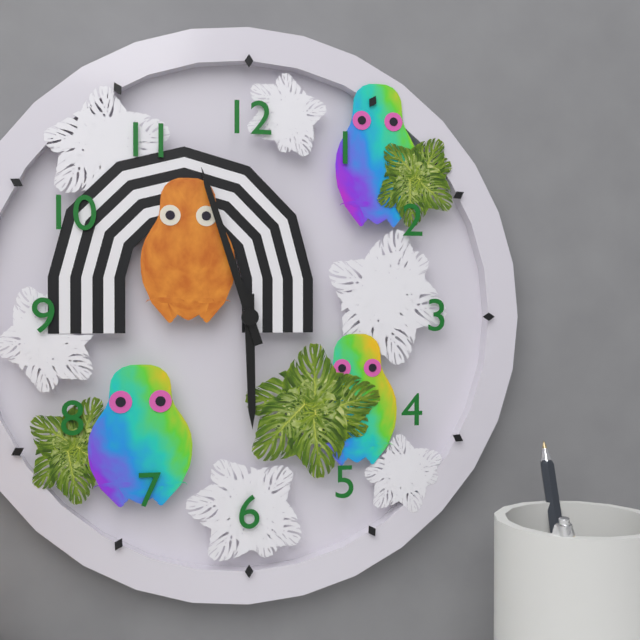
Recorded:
**5:57**
